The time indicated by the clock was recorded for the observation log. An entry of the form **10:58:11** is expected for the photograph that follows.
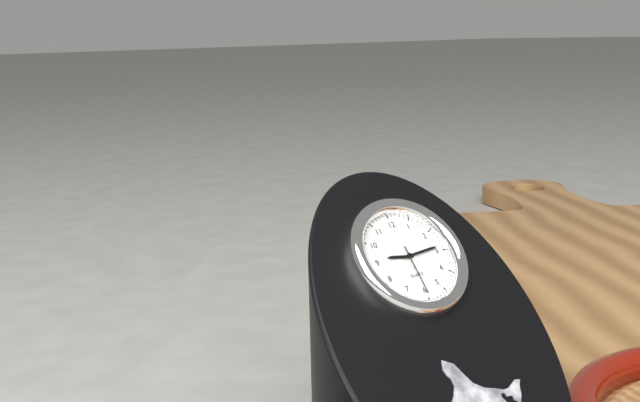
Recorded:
**9:14:30**
